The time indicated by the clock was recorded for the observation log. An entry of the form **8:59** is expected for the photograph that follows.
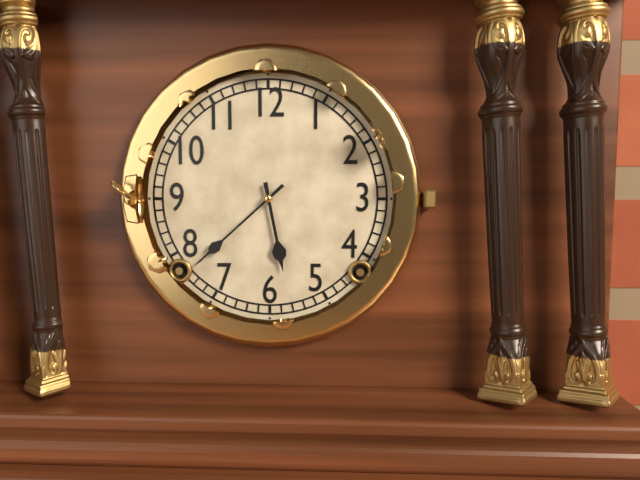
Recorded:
**5:38**
